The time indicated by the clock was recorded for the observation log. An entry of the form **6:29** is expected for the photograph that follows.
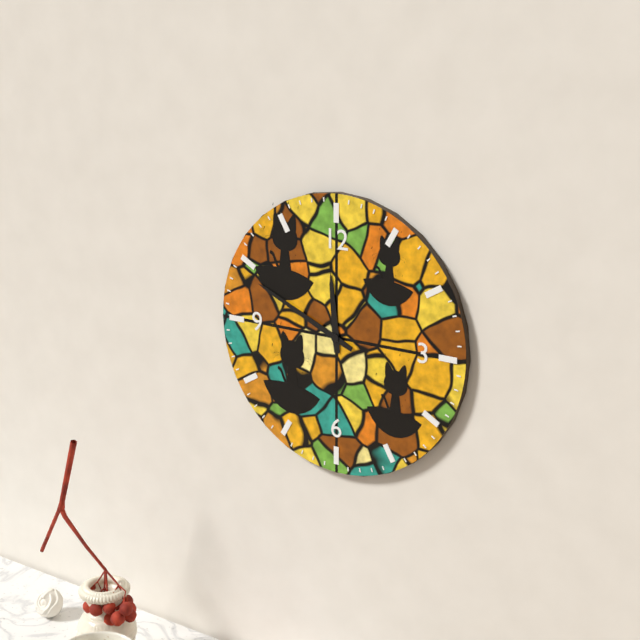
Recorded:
**11:49**
